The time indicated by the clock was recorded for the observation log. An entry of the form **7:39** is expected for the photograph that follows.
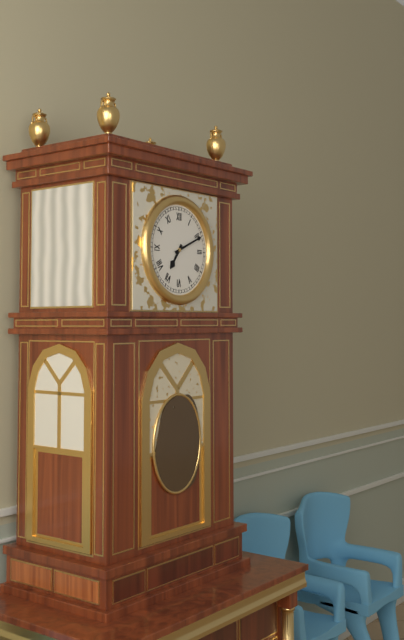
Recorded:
**7:11**
